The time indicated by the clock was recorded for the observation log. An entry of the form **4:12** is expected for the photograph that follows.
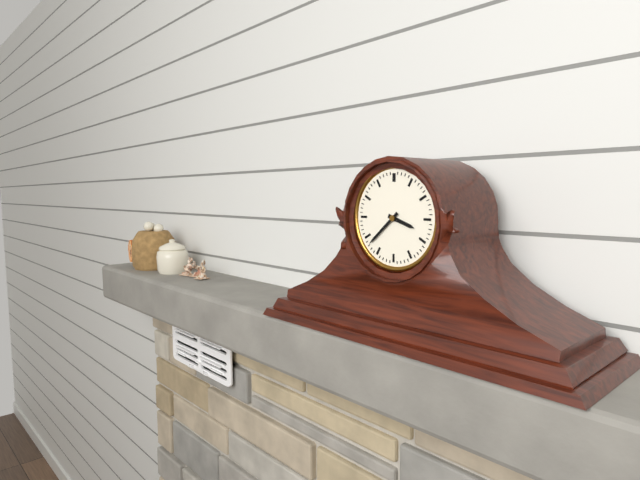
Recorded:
**3:38**
